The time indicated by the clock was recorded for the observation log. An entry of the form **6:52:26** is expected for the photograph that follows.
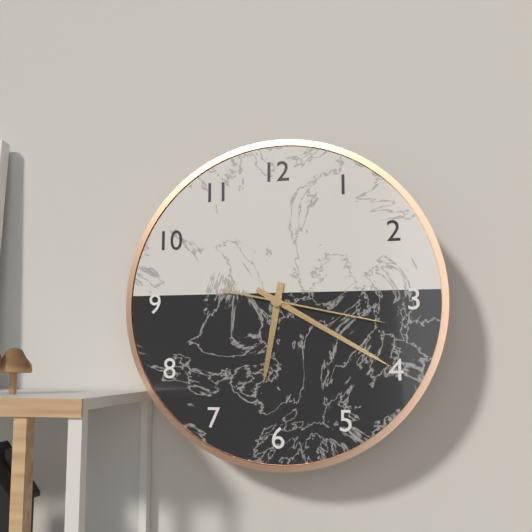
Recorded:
**6:20:17**
